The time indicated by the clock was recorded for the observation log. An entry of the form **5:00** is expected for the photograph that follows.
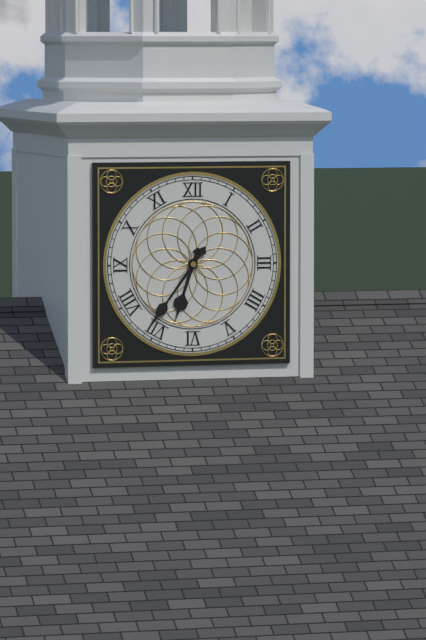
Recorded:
**6:36**
